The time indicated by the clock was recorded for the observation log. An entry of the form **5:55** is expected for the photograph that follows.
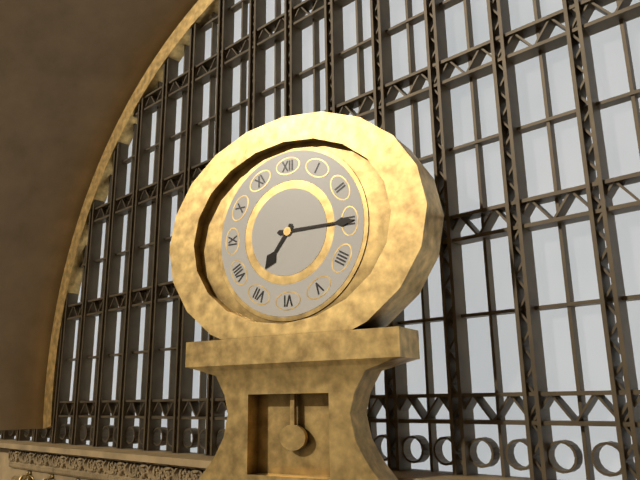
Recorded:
**7:15**
